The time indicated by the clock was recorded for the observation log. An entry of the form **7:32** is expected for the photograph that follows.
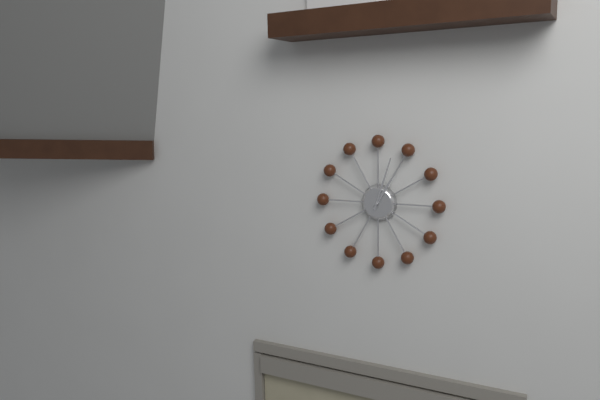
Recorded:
**1:03**
